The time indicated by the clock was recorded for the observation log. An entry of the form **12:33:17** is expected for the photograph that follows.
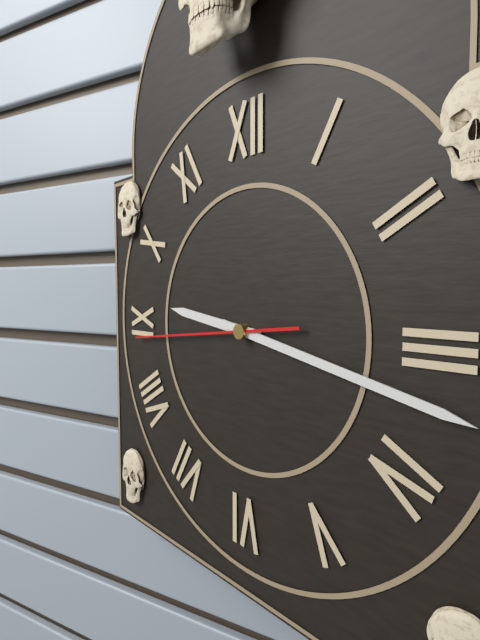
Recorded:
**9:17:44**
